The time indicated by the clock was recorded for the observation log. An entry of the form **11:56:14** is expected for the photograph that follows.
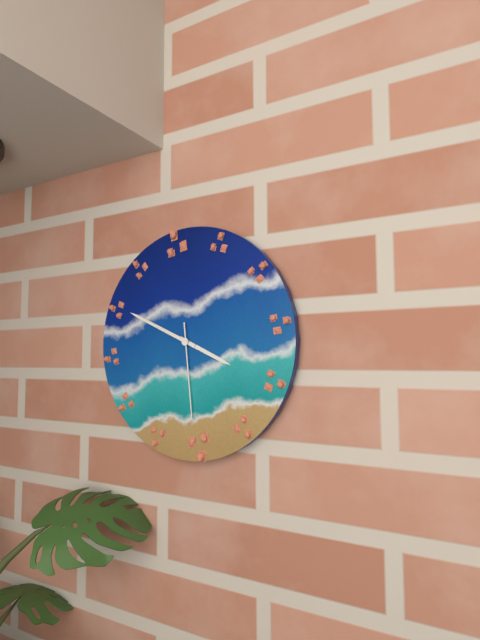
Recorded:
**3:49:29**
